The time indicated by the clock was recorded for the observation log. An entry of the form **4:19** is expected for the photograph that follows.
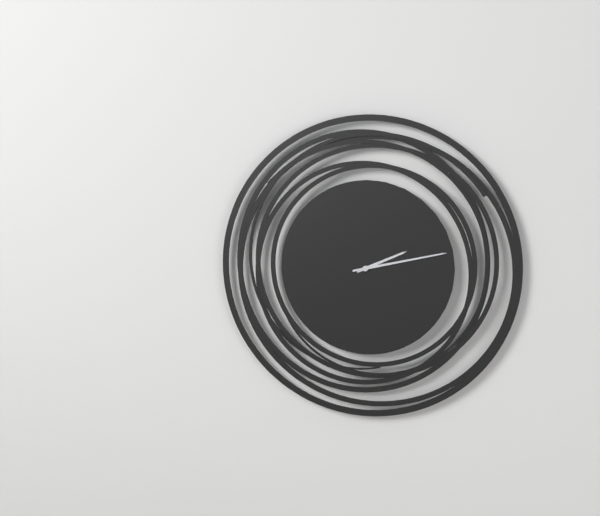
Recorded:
**2:13**
